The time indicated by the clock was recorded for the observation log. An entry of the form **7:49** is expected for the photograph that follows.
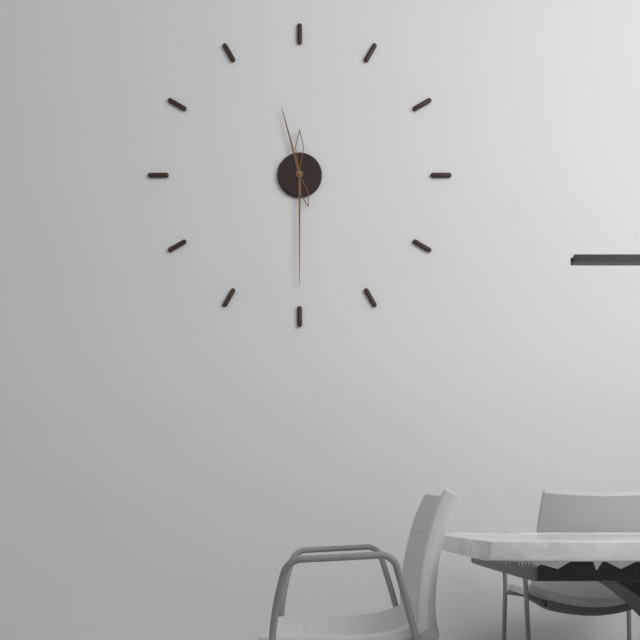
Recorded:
**11:30**
